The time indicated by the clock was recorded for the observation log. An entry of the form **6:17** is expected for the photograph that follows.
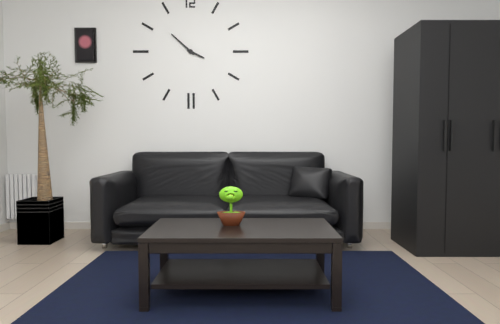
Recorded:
**3:52**
